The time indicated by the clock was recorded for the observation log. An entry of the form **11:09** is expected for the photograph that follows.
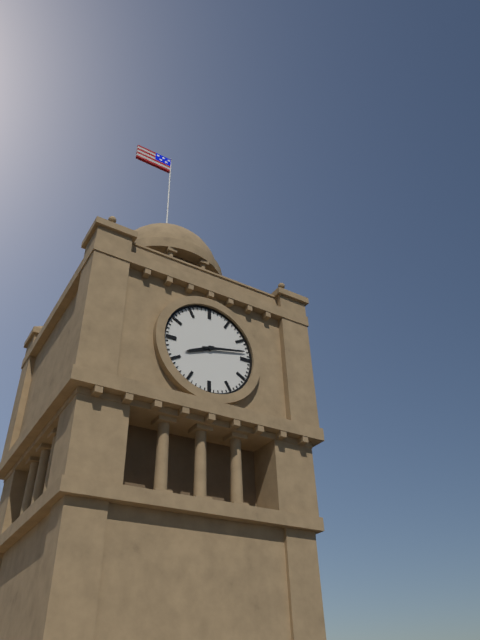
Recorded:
**8:13**
